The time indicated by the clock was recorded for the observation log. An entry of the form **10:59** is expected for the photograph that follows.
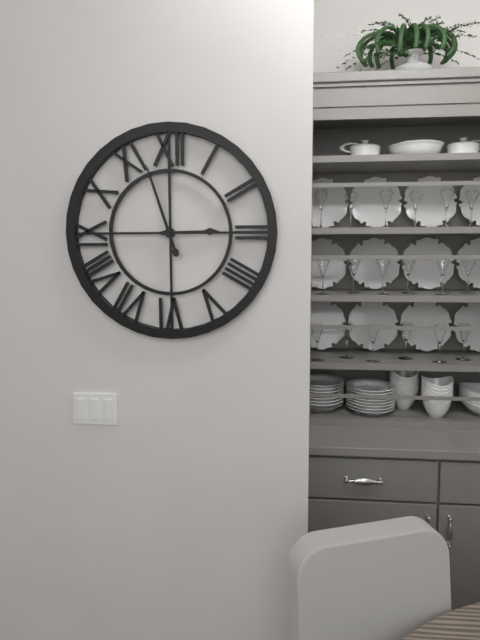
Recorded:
**2:57**
